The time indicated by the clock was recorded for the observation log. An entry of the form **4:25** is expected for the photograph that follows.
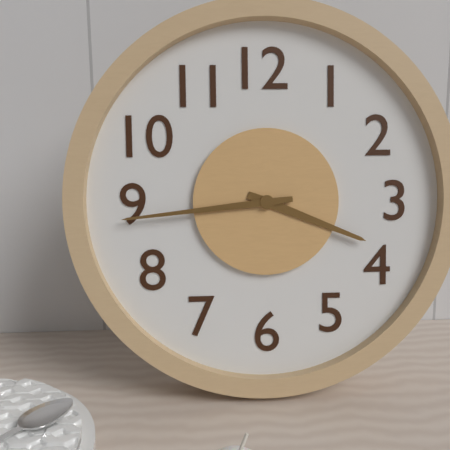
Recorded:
**3:44**
